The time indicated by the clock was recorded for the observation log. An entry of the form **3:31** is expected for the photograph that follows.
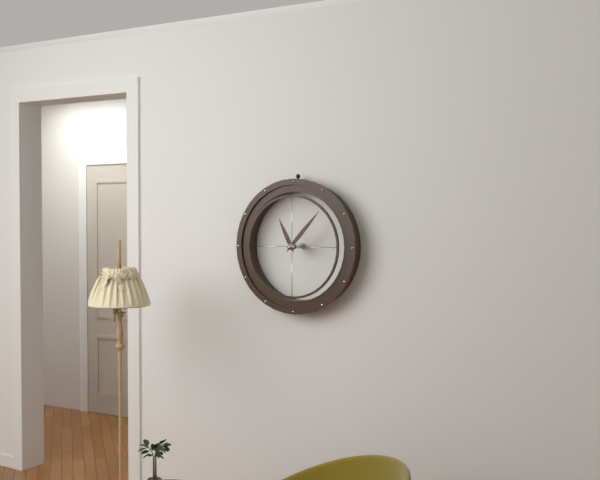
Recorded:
**11:07**
